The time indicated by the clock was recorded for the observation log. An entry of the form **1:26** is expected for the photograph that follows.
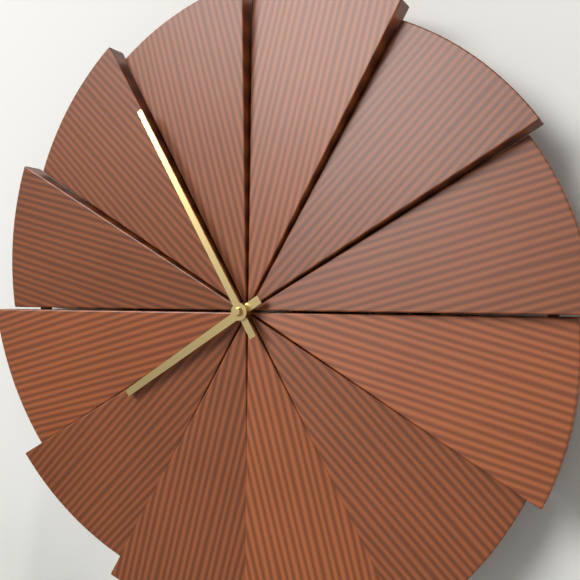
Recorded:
**7:55**
